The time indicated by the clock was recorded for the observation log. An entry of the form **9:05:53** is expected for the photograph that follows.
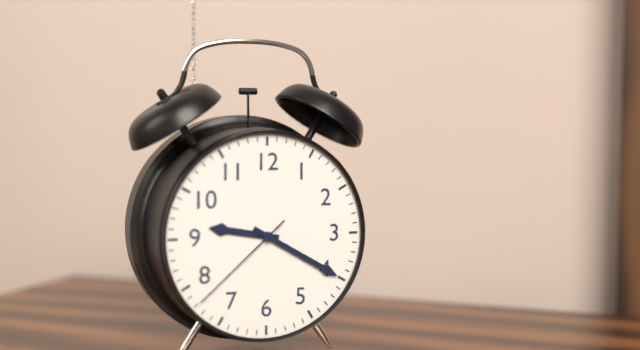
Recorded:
**9:20:38**
